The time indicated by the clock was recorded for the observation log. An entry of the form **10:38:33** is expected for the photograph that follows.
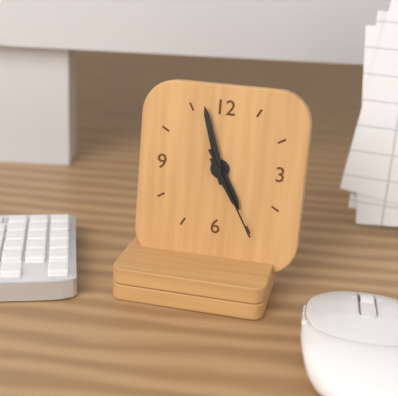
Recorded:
**4:57:25**
